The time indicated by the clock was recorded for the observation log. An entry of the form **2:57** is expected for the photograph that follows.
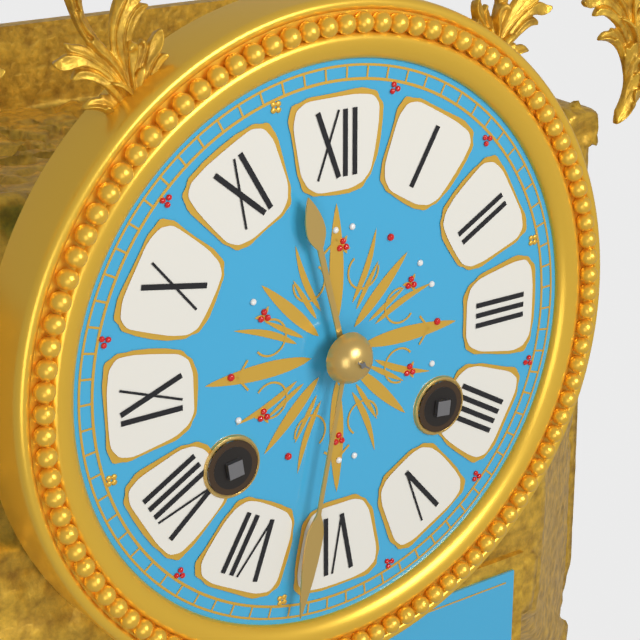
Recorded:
**11:32**
